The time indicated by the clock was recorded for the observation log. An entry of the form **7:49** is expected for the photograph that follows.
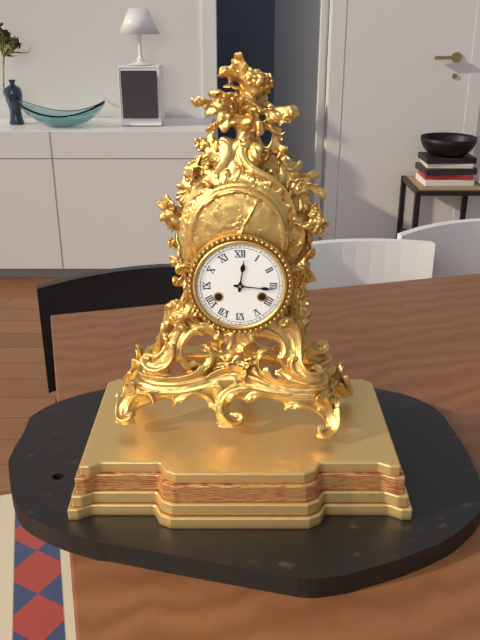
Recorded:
**12:16**
